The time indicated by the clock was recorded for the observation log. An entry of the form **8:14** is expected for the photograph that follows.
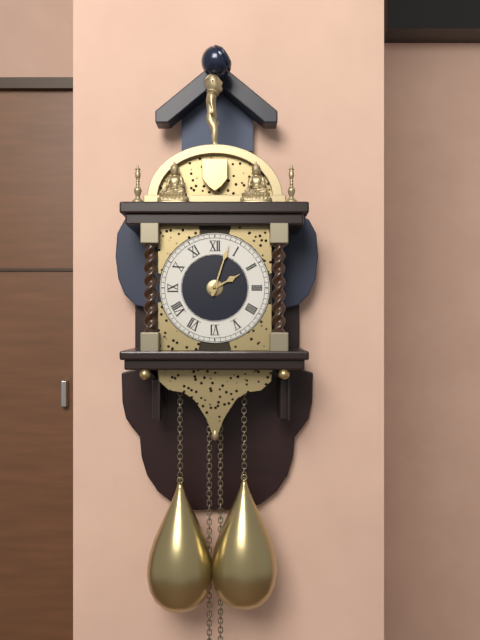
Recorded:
**2:03**
